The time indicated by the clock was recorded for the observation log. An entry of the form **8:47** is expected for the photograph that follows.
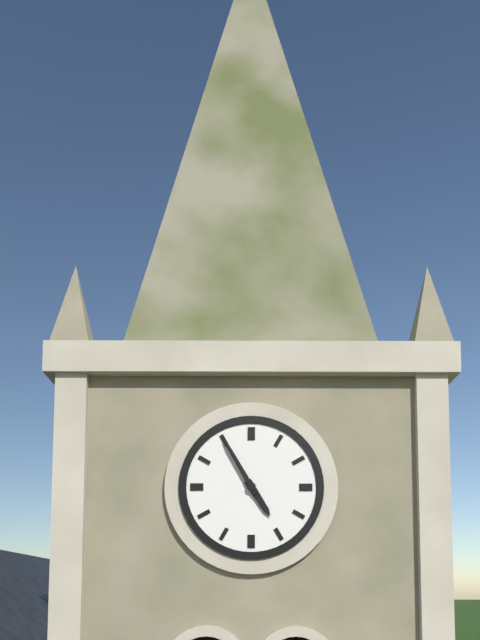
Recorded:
**4:55**
